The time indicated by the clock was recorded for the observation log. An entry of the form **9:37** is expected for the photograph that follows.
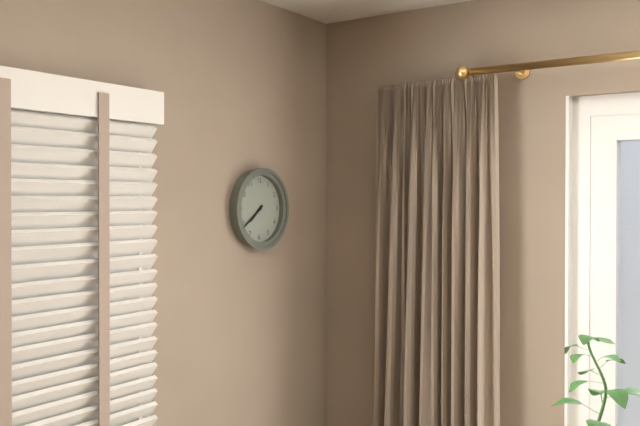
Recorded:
**7:39**
